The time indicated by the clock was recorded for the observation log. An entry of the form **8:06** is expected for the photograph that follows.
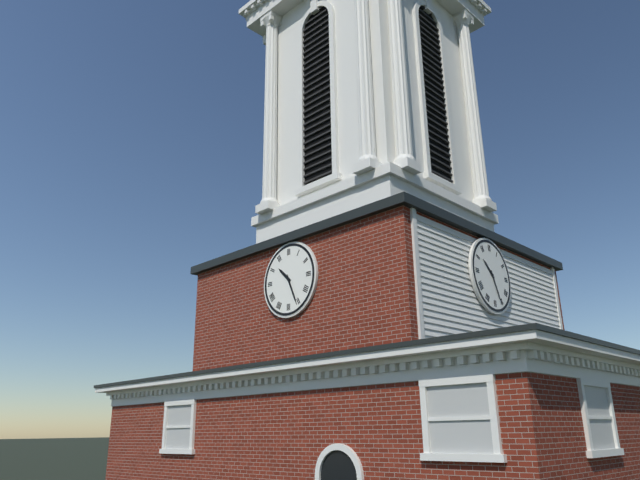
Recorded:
**10:26**
